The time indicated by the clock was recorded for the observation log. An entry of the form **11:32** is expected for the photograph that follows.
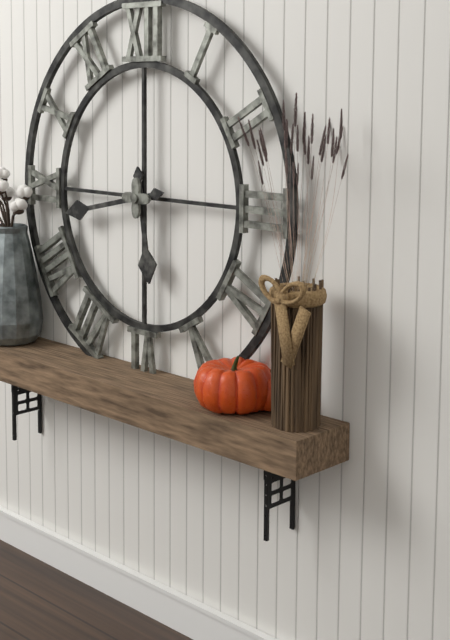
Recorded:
**5:43**
